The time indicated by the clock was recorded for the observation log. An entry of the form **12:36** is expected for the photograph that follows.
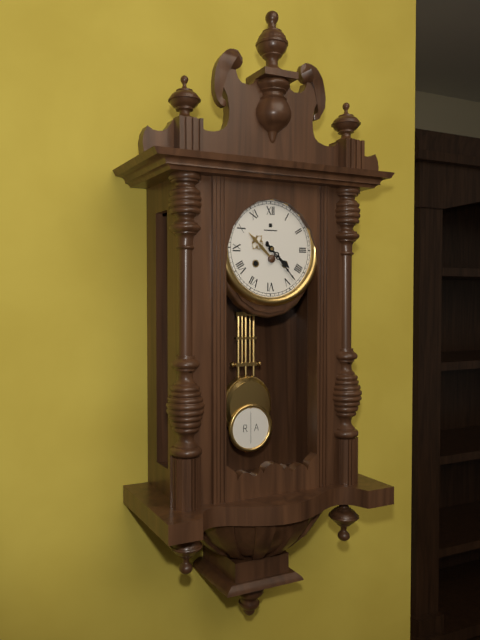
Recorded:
**4:23**
